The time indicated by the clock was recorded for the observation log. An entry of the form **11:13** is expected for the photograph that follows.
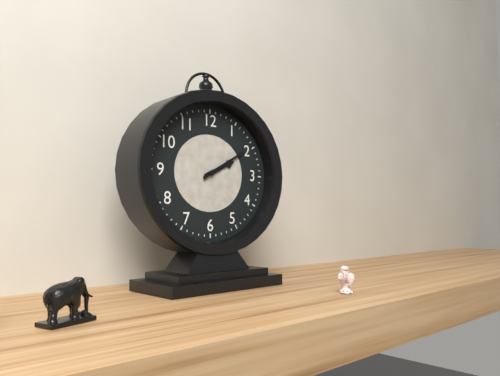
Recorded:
**2:10**
